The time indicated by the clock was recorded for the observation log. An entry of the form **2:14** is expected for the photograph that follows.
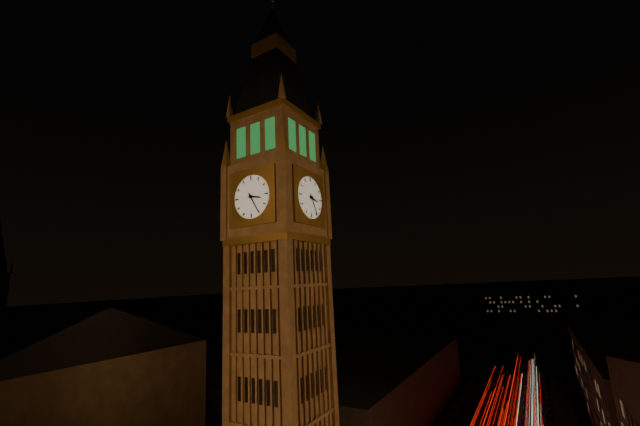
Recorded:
**3:25**
